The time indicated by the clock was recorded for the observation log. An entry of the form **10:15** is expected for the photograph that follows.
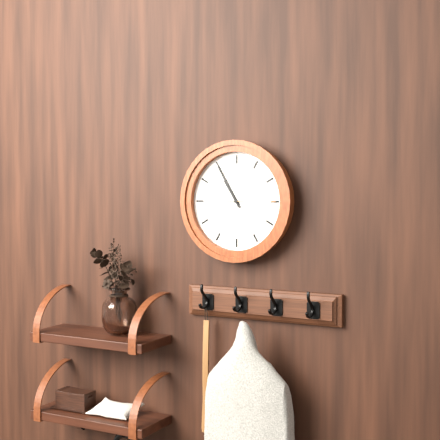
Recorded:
**10:55**
